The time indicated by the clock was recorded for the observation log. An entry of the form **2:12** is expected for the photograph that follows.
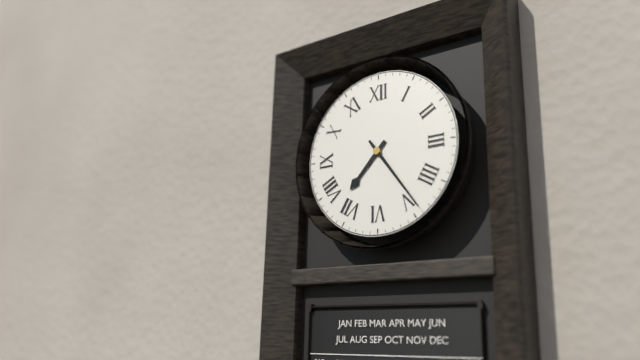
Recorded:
**7:24**
